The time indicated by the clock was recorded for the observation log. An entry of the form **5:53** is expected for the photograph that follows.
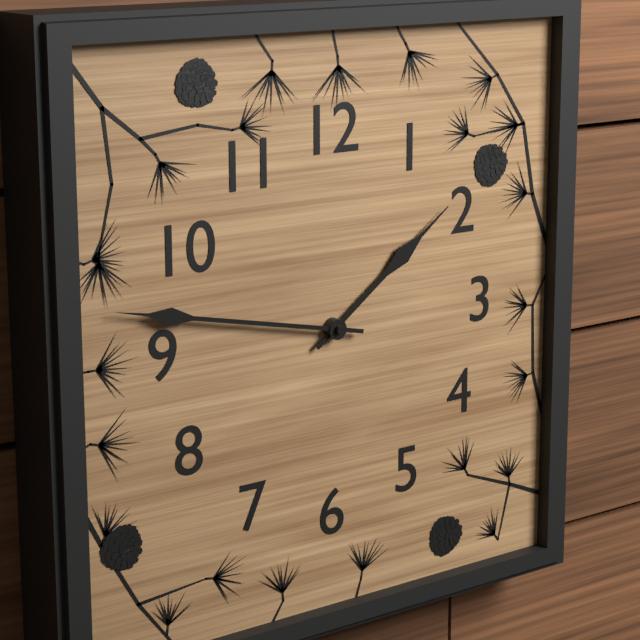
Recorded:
**1:47**
